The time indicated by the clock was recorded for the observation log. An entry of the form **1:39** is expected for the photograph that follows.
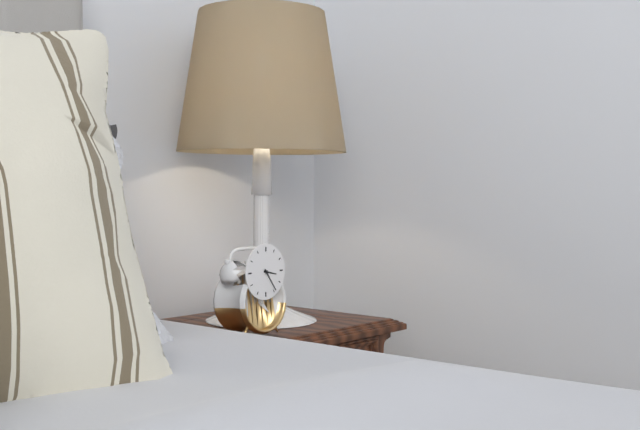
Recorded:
**3:24**
